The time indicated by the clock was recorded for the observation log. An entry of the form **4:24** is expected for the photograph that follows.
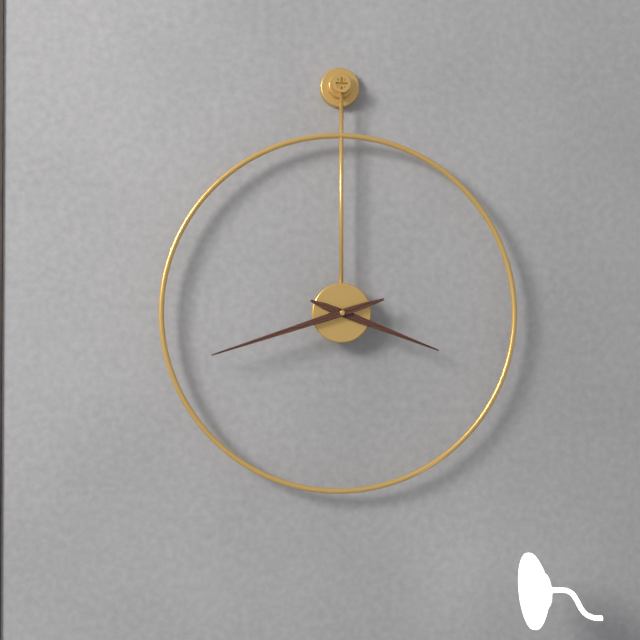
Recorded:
**3:42**
